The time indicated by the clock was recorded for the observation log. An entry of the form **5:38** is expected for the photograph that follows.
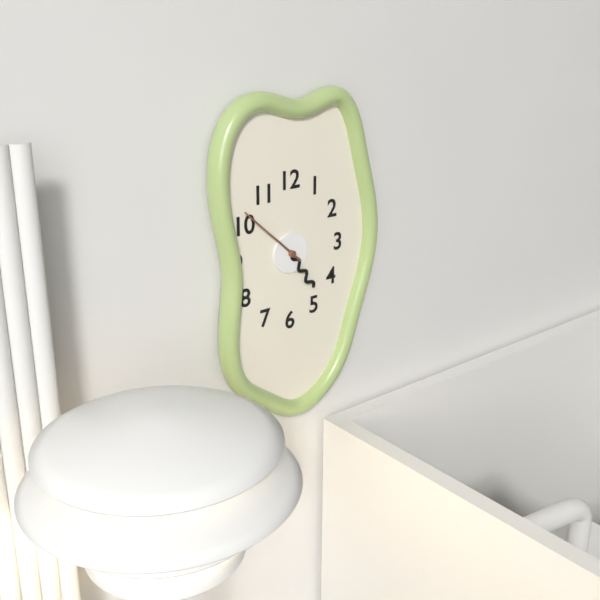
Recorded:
**4:52**
